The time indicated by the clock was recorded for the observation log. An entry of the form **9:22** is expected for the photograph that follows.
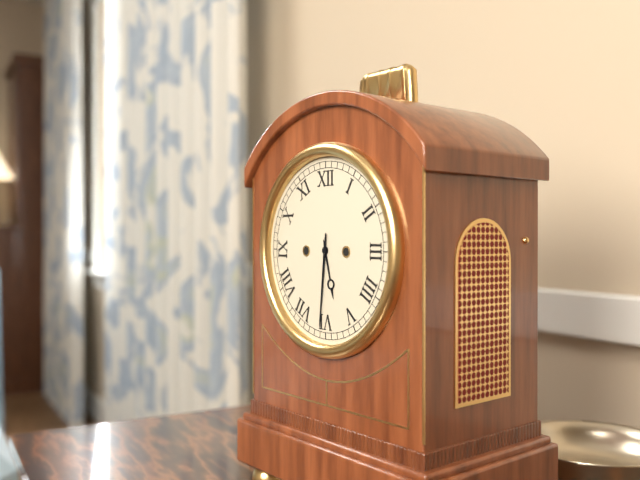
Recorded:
**5:31**
